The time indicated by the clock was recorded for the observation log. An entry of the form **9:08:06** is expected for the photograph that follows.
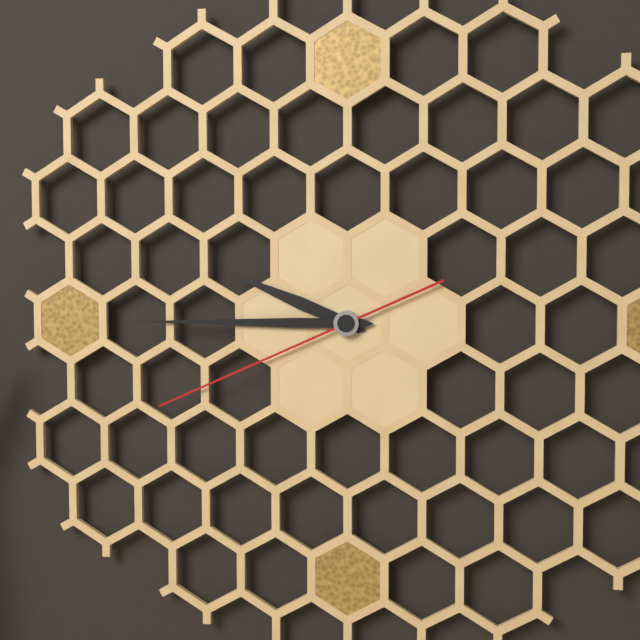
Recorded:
**9:45:41**
